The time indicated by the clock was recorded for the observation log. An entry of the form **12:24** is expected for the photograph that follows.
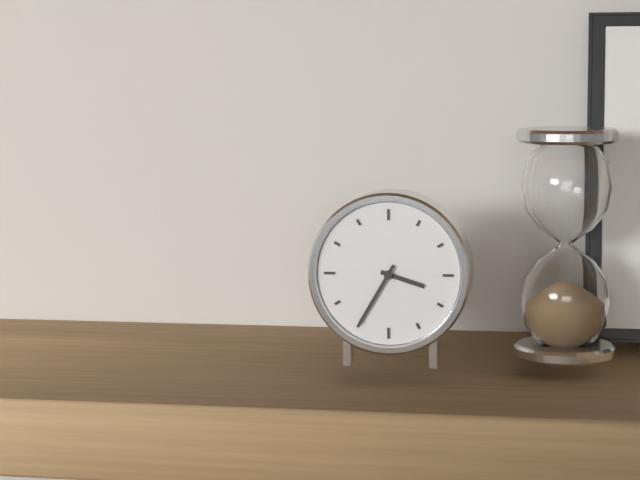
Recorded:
**3:35**
